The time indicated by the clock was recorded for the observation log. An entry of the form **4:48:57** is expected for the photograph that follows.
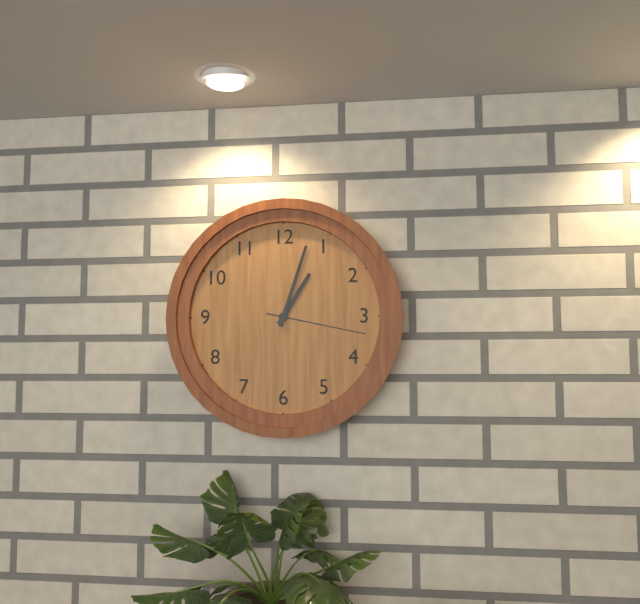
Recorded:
**1:03:17**
